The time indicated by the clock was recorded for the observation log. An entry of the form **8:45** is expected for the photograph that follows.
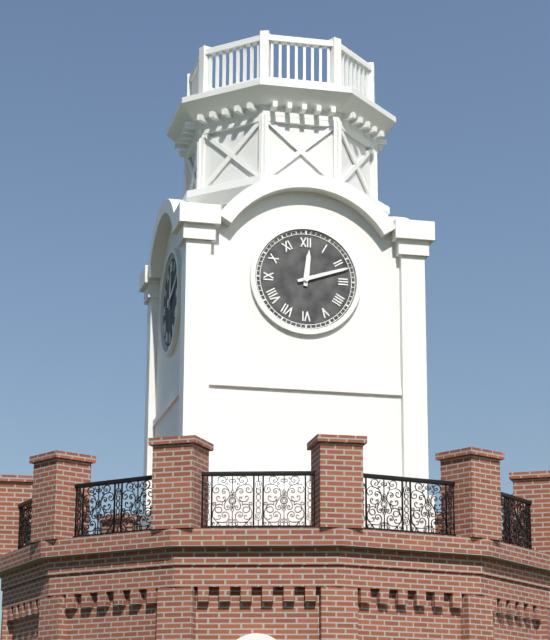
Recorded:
**12:12**
